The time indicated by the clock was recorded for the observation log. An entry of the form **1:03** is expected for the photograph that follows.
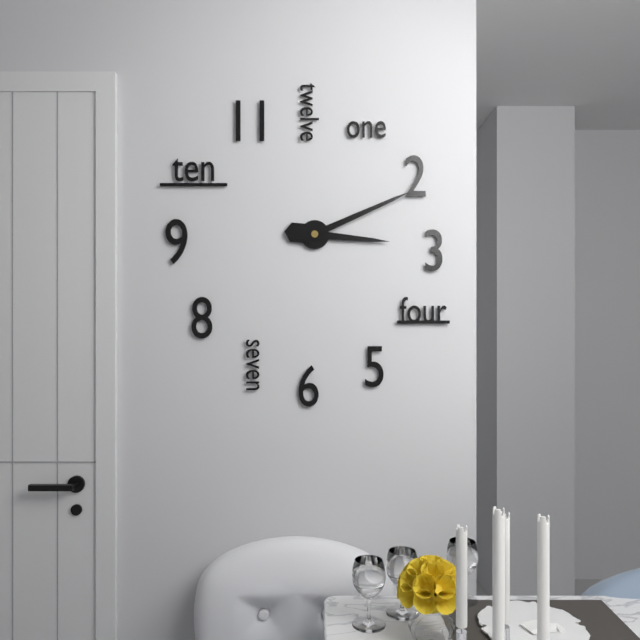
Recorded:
**3:11**
